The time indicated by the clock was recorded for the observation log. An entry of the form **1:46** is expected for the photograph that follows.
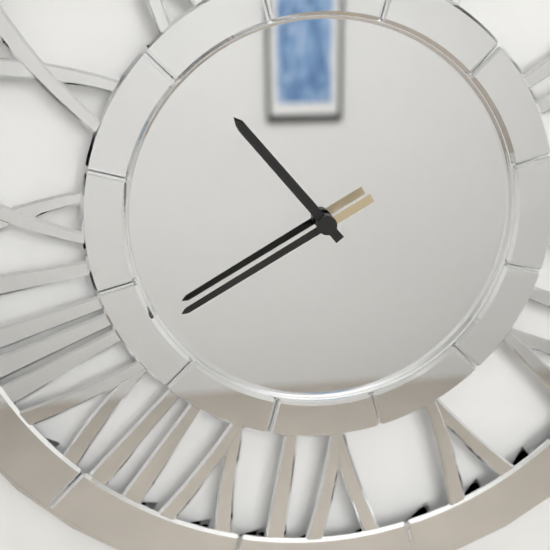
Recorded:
**10:40**
